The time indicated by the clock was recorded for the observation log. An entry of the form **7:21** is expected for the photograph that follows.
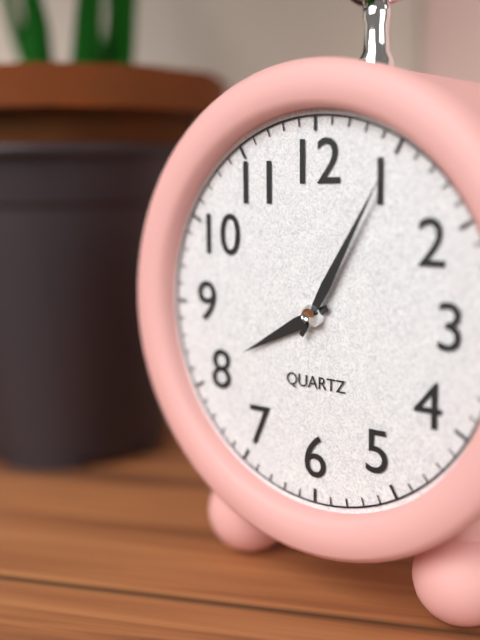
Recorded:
**8:05**
